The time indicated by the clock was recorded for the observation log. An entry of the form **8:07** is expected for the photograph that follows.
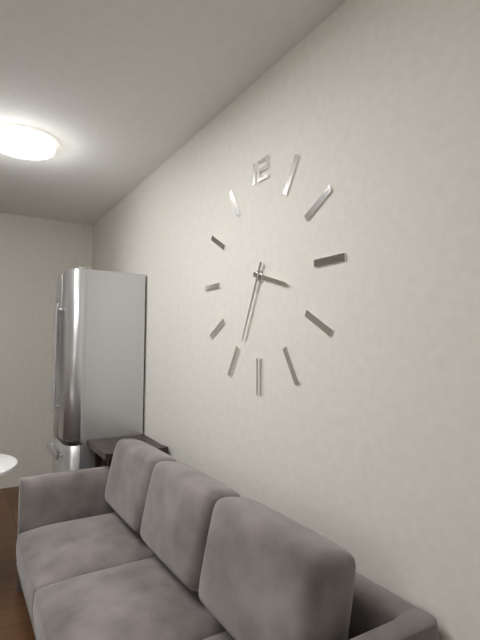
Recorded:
**3:34**
